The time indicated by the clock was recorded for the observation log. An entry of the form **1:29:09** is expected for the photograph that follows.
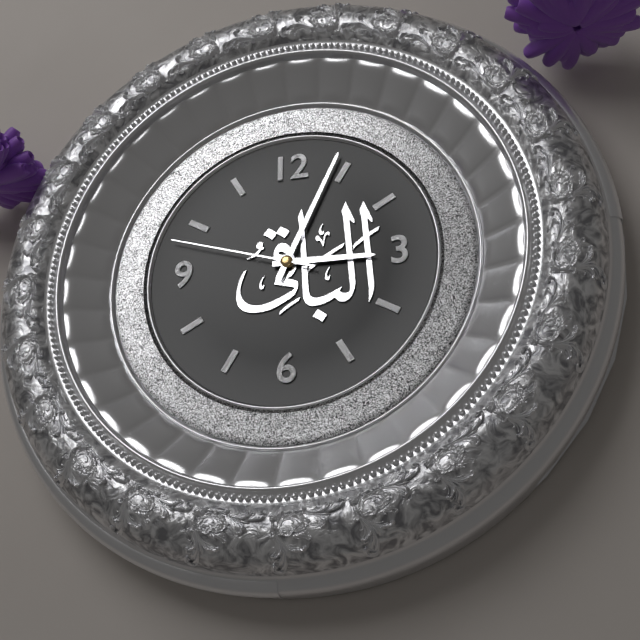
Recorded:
**3:04:48**
